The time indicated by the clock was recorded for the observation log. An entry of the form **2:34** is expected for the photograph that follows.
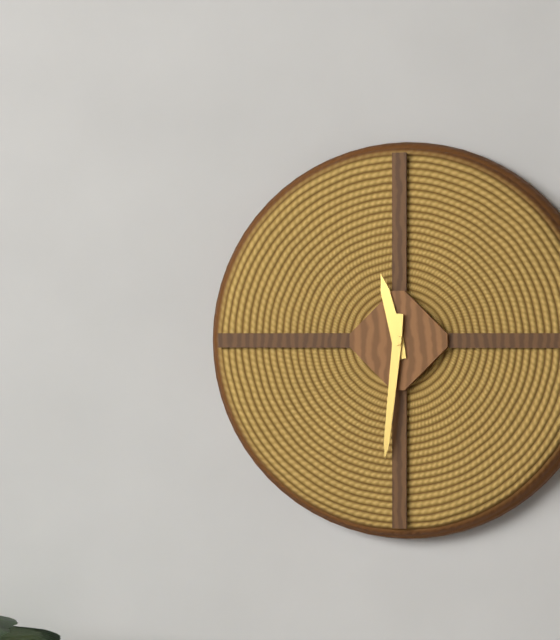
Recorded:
**11:31**
